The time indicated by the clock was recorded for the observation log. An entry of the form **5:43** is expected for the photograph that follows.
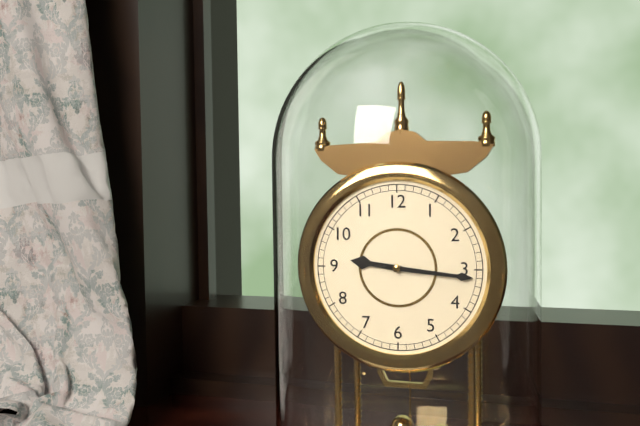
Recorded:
**9:16**
